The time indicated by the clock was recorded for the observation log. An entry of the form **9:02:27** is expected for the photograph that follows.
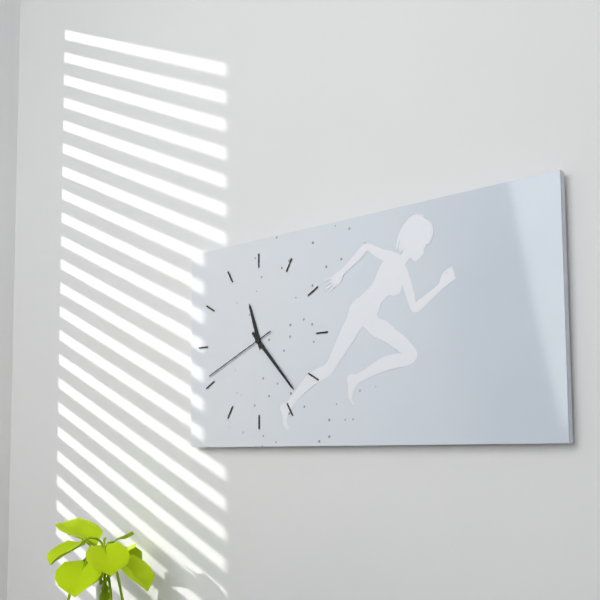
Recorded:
**11:23:41**
